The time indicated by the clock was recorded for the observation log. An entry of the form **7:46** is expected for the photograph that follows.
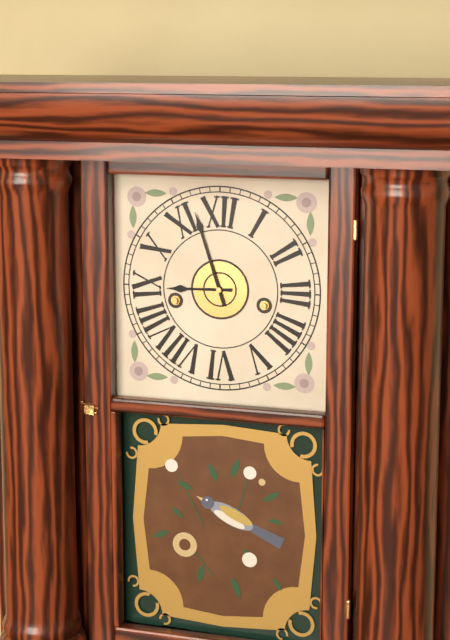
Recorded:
**8:57**
